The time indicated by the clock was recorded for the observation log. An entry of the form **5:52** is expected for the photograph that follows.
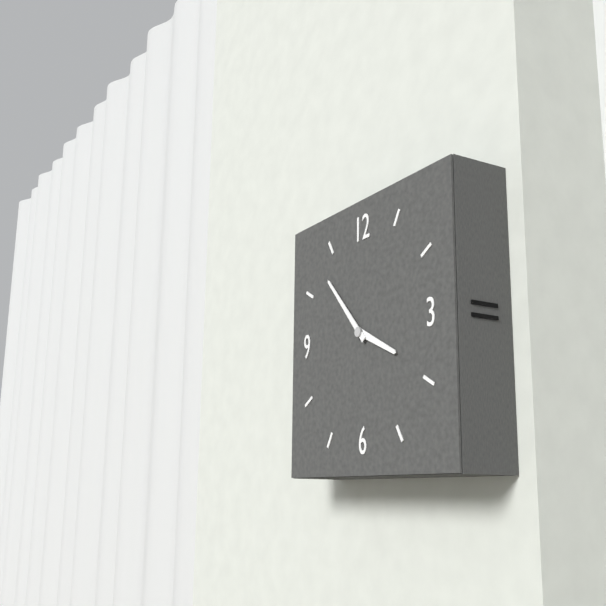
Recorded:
**3:53**
